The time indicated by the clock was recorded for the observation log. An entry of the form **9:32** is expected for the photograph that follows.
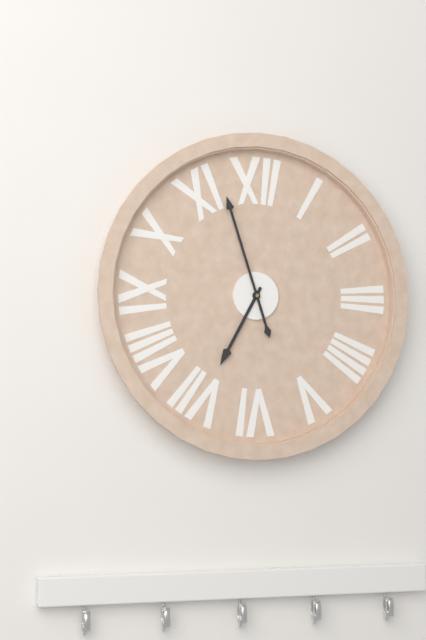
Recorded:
**6:57**
